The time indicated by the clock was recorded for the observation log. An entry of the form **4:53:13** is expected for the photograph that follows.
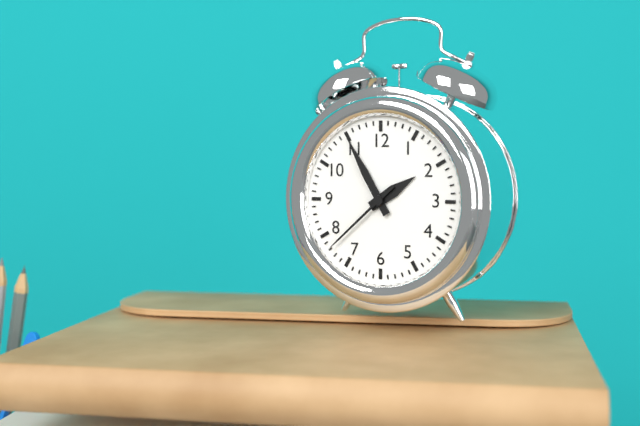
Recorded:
**1:55:38**
